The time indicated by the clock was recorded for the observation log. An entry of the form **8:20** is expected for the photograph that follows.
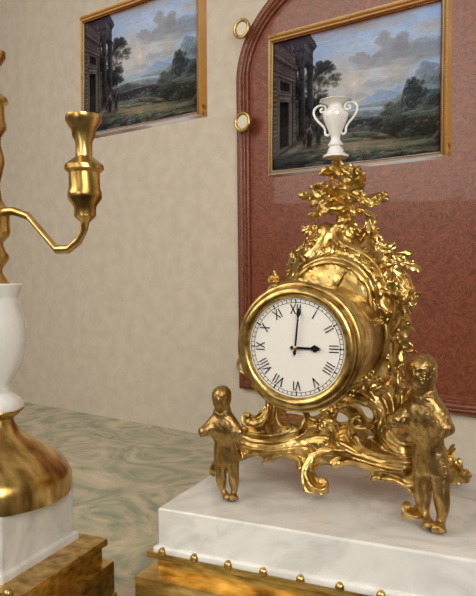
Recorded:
**3:01**
